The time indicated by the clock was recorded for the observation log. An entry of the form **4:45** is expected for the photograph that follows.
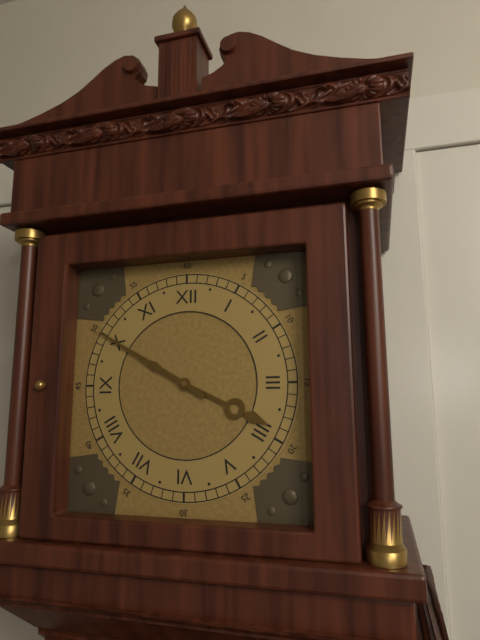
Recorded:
**3:50**
